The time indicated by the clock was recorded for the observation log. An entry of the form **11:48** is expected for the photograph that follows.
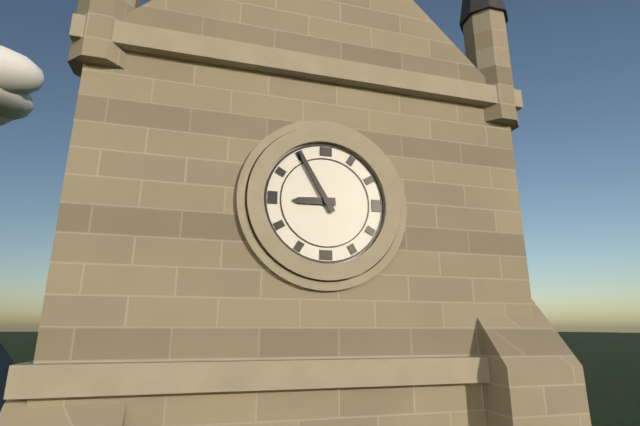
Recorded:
**8:55**
